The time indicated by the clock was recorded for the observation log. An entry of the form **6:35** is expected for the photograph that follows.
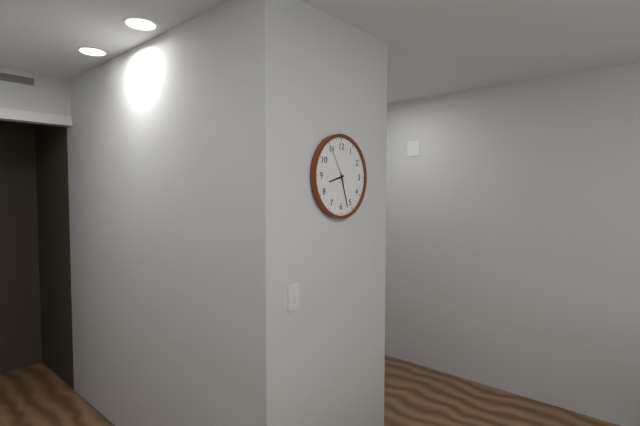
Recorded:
**8:27**
